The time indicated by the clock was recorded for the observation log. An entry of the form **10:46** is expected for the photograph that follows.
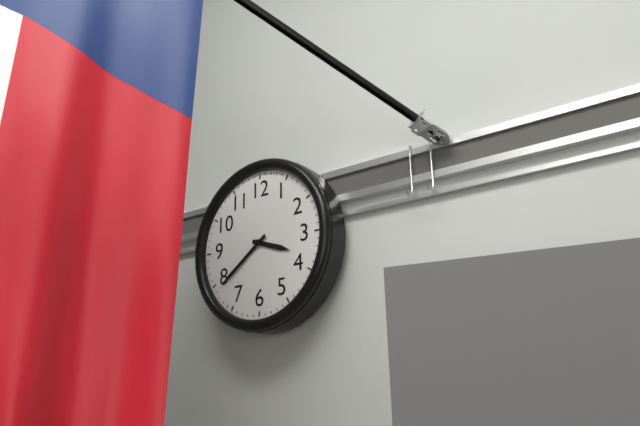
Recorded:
**3:39**
